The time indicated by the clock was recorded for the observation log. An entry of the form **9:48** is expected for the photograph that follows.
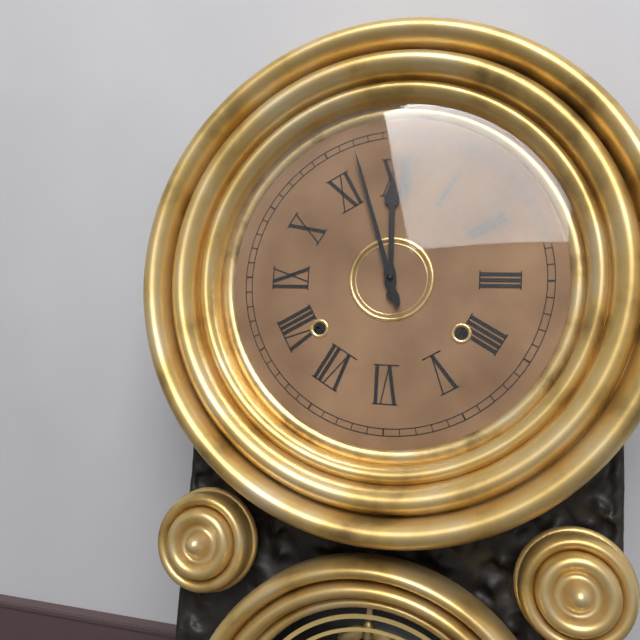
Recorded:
**11:57**
